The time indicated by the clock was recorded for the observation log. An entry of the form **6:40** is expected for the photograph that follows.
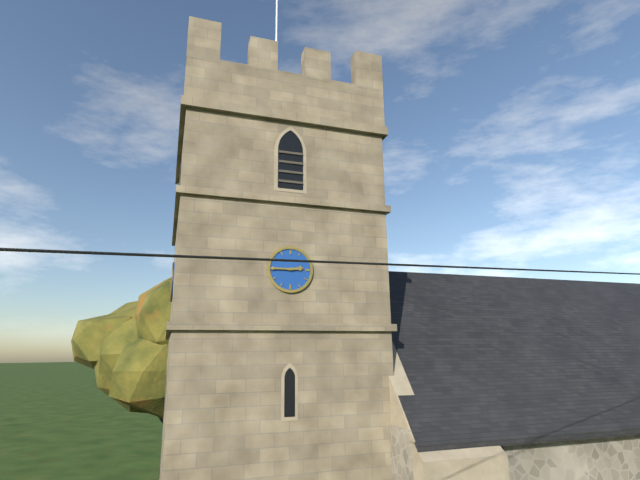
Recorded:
**2:45**
